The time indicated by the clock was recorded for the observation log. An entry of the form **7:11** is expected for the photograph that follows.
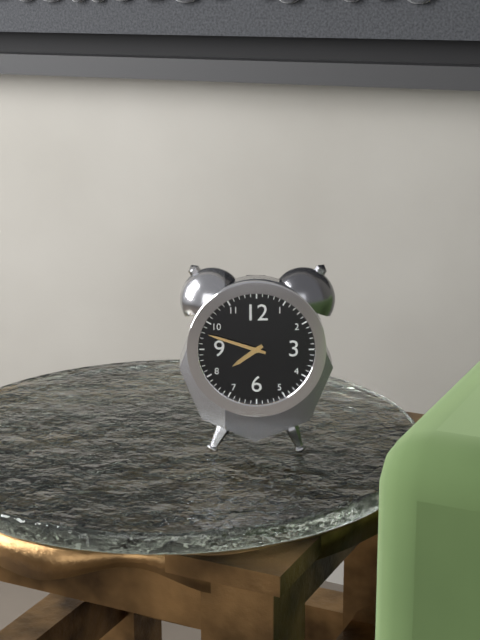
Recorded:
**7:48**
